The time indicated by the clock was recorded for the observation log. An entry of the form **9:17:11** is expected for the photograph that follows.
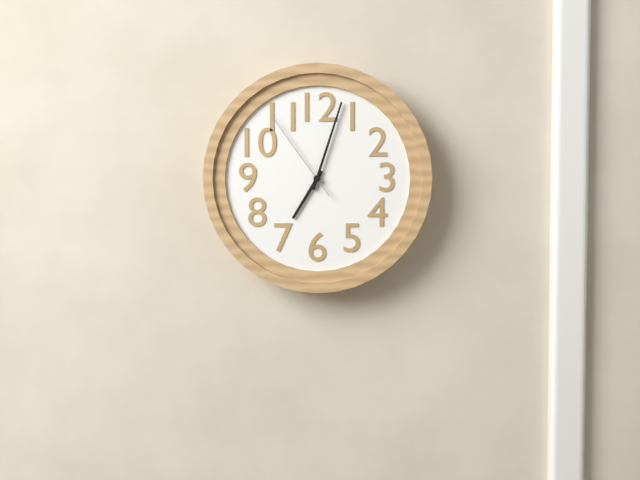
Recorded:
**7:03:54**
